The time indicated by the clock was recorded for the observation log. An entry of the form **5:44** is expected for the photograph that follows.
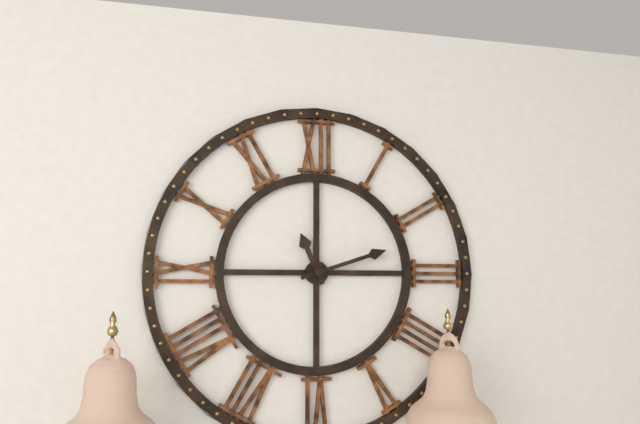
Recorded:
**11:12**
